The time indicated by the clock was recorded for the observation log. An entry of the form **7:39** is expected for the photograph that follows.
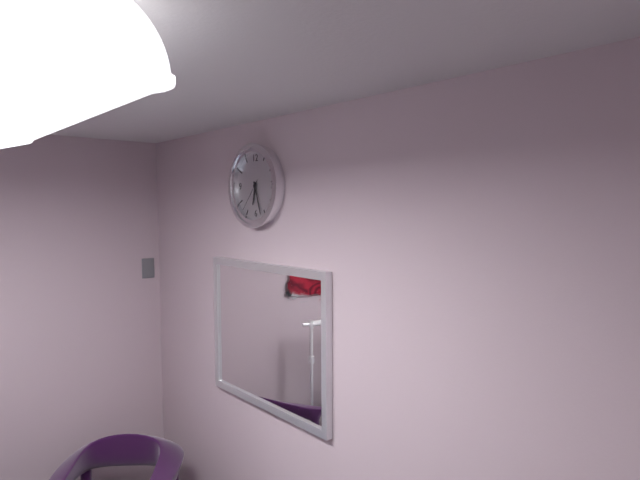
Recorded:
**6:27**
